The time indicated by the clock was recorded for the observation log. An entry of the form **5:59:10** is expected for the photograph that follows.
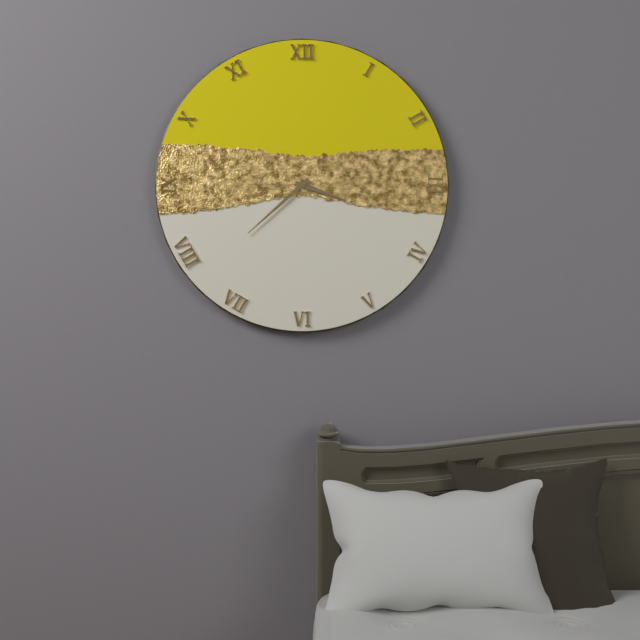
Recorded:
**3:38:45**
